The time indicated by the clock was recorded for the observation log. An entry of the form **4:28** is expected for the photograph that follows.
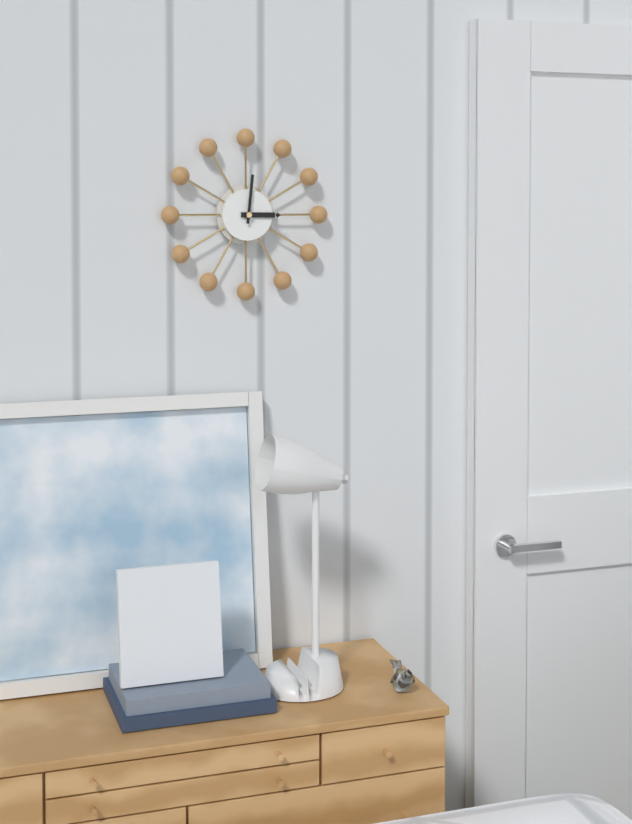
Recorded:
**3:01**
